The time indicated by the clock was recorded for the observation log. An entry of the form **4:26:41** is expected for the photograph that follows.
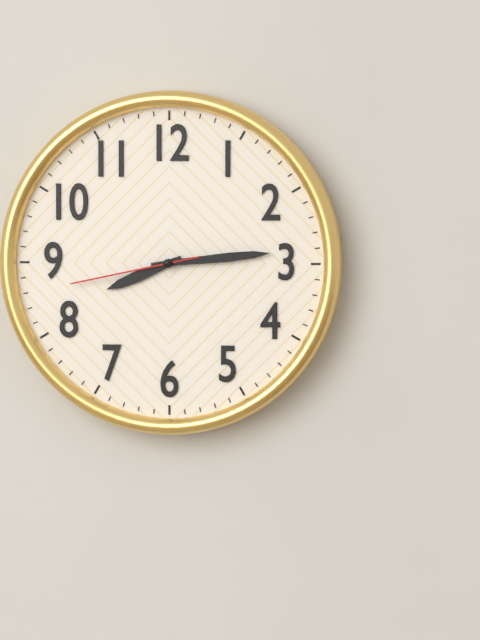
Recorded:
**8:14:43**
